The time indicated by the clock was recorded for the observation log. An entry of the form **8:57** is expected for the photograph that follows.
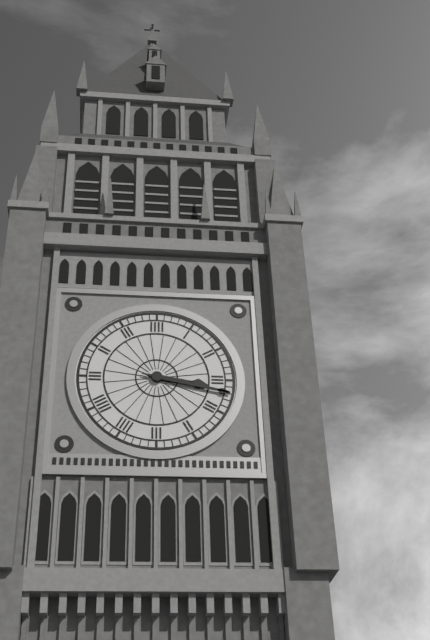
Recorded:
**3:17**
